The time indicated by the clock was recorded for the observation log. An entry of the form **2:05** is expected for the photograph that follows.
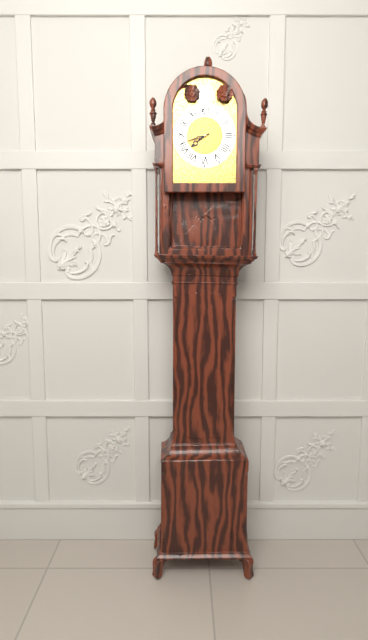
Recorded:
**7:42**
